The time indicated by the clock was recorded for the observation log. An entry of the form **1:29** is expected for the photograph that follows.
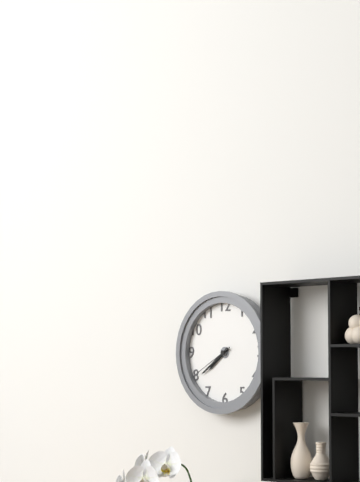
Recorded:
**7:39**
